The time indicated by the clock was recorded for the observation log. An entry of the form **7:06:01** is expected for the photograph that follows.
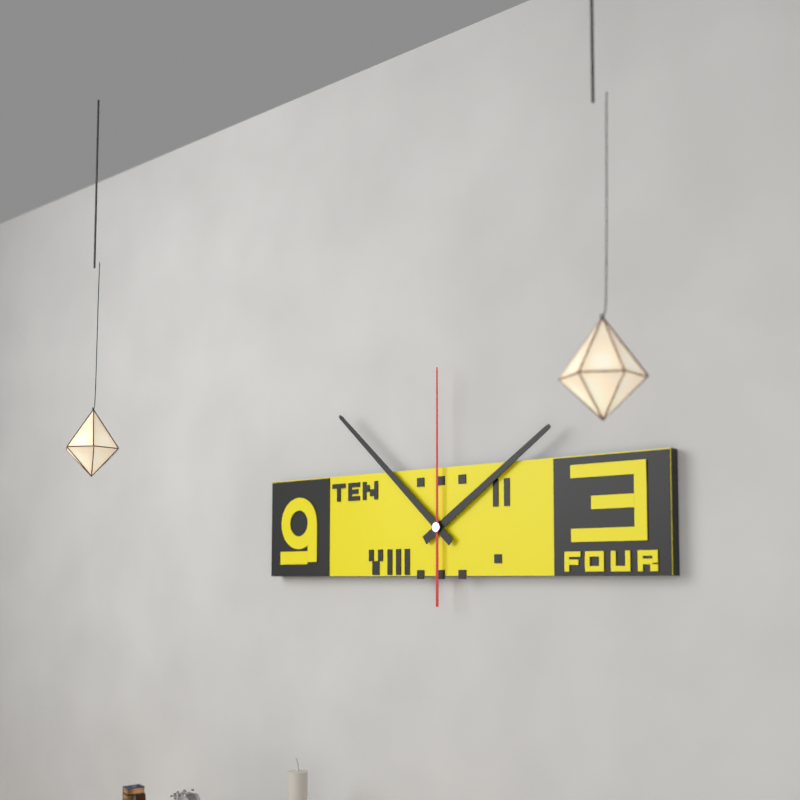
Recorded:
**1:52:00**
